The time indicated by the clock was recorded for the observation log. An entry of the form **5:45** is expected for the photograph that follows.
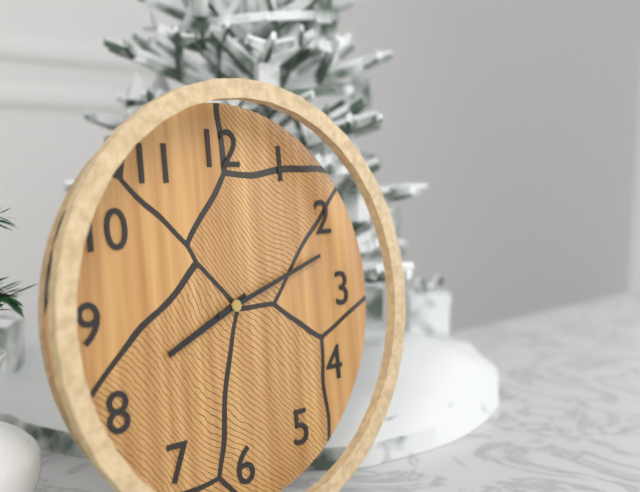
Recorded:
**8:12**
